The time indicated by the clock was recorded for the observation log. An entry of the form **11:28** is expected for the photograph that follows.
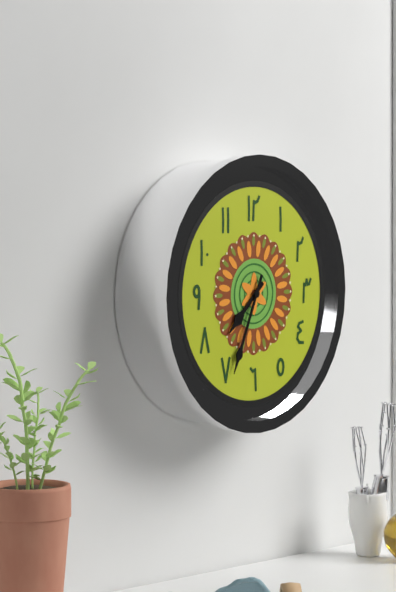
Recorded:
**7:34**
